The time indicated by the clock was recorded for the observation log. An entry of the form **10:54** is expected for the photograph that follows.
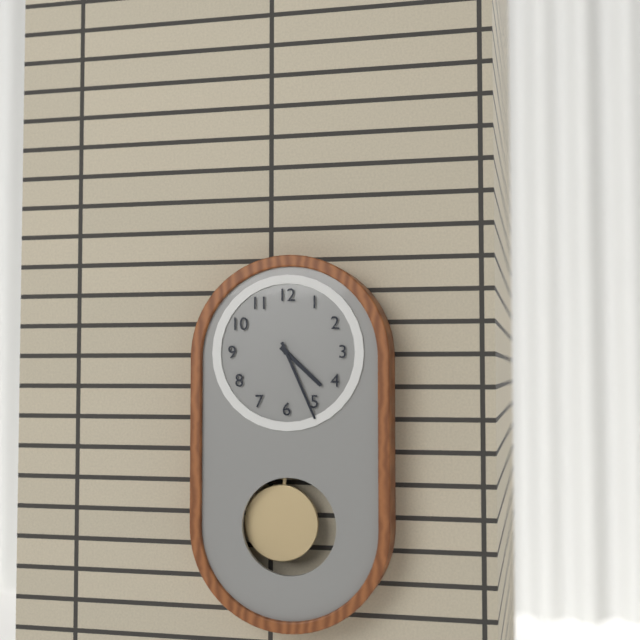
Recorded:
**4:26**
